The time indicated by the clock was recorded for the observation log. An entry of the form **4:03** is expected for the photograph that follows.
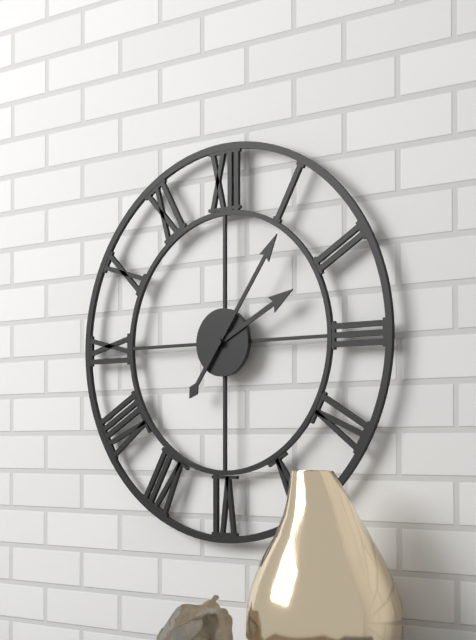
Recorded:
**2:06**
